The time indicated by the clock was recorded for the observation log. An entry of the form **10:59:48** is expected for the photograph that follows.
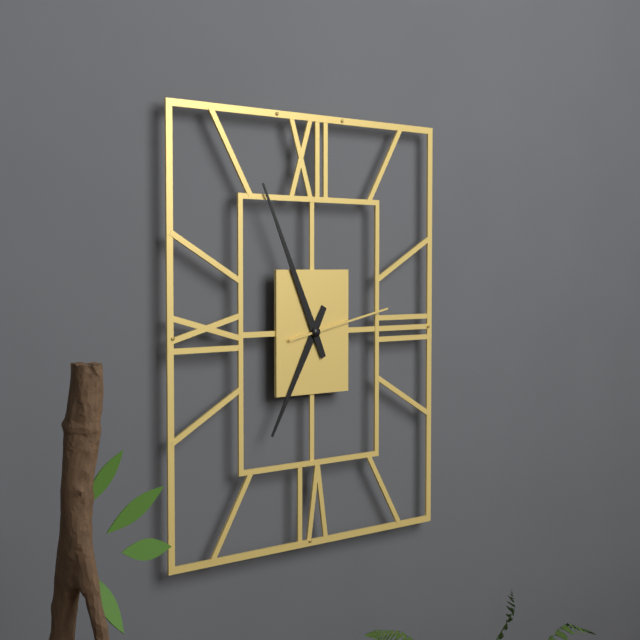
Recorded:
**6:56:13**
